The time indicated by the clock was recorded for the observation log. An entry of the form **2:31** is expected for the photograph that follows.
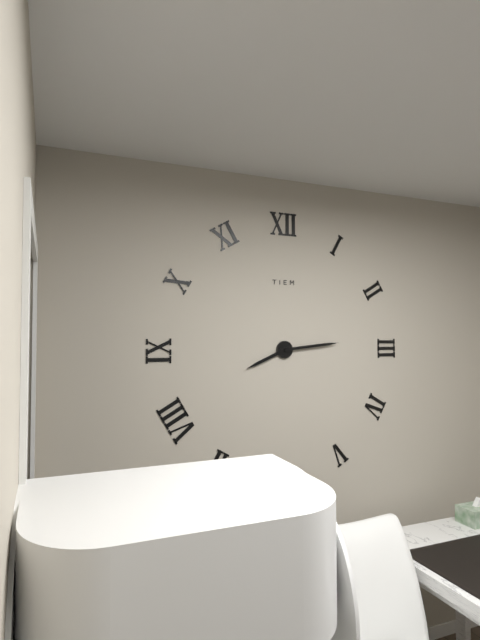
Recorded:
**8:14**
